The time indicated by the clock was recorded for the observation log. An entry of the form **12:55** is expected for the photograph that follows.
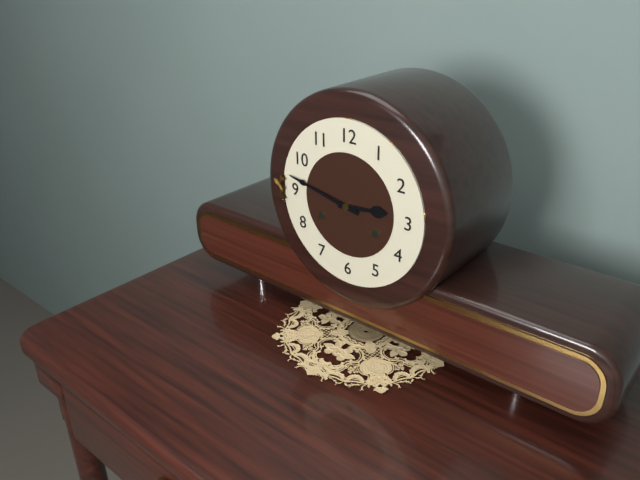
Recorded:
**2:47**
